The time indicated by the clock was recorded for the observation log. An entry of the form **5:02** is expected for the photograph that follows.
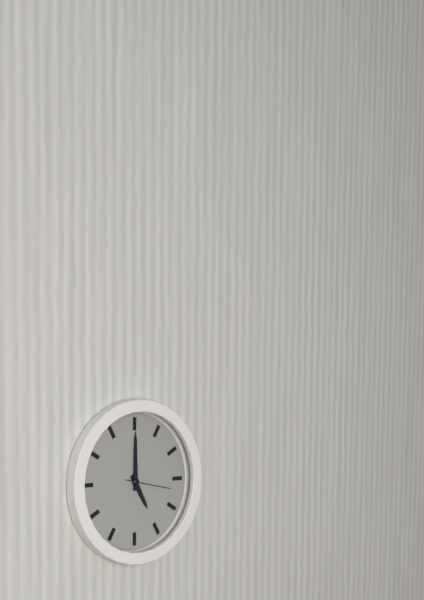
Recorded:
**5:00**
